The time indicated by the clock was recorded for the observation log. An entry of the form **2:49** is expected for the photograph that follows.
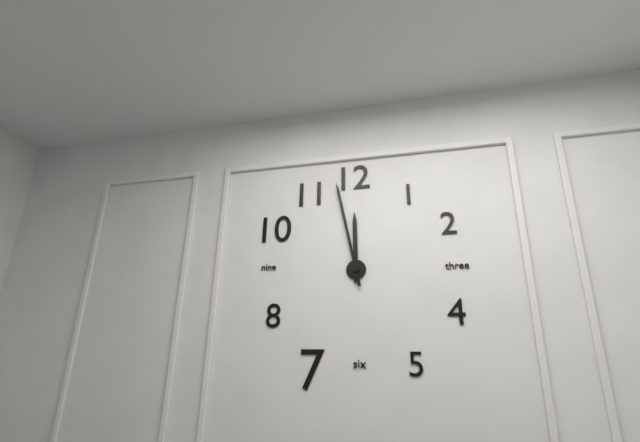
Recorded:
**11:58**
